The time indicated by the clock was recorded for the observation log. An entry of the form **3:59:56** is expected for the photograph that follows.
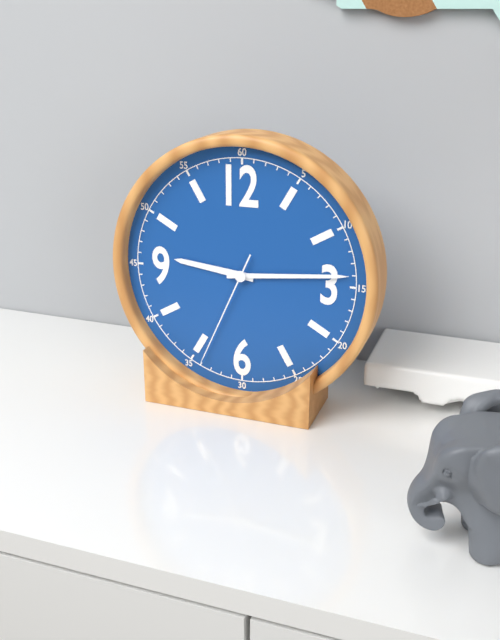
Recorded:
**9:14:34**
